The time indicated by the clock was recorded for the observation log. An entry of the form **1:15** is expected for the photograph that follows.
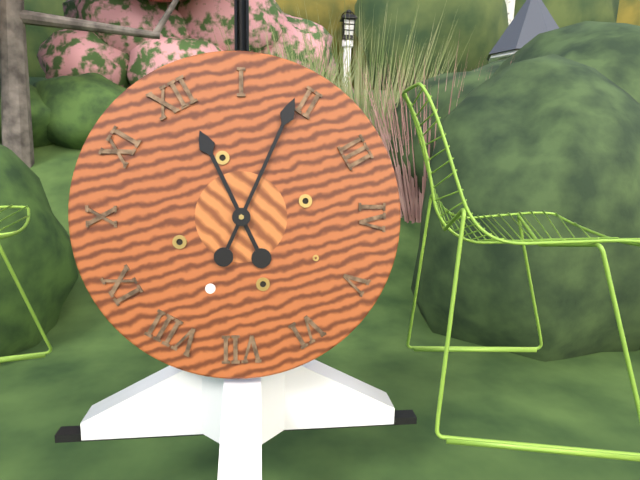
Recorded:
**12:09**
